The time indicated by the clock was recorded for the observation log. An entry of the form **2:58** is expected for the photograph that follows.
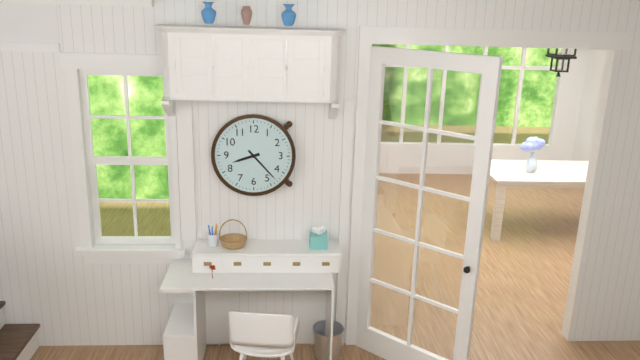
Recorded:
**8:23**
